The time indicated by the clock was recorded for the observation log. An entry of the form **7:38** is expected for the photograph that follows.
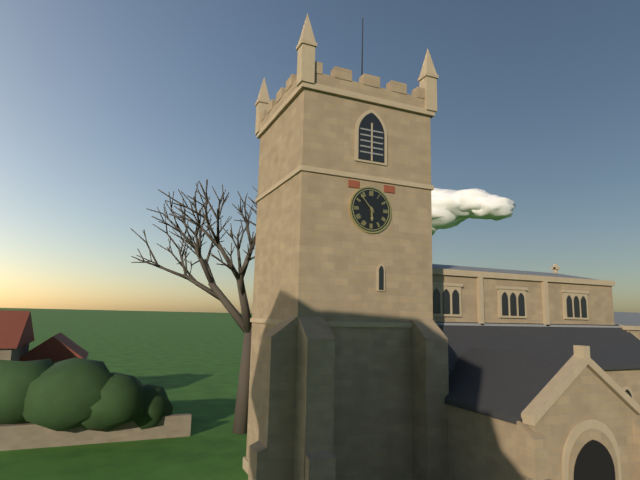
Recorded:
**5:53**
